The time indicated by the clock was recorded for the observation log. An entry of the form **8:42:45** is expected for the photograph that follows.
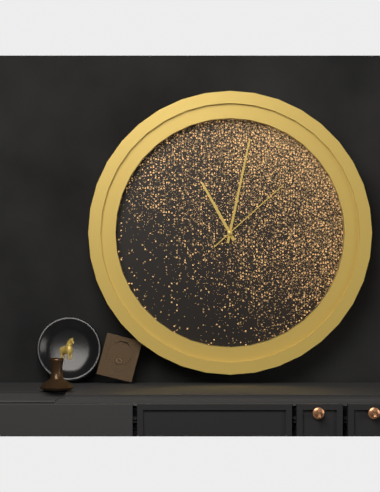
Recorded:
**11:02:08**
